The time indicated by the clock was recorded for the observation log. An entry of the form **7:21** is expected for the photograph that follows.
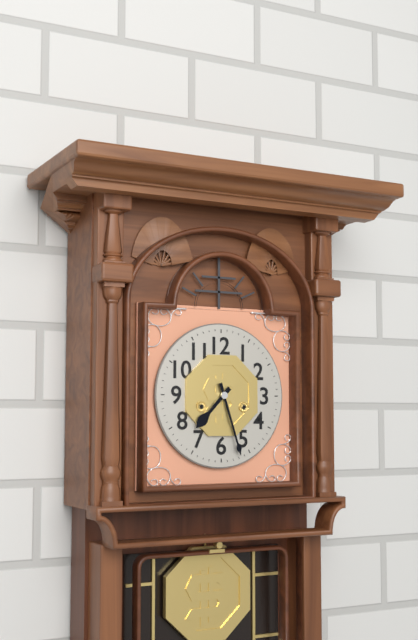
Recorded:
**7:27**
